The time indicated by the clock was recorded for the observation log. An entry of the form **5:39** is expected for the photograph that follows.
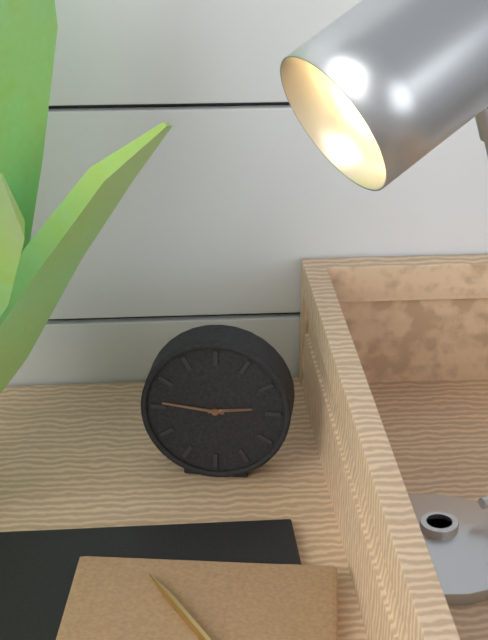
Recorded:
**2:46**
